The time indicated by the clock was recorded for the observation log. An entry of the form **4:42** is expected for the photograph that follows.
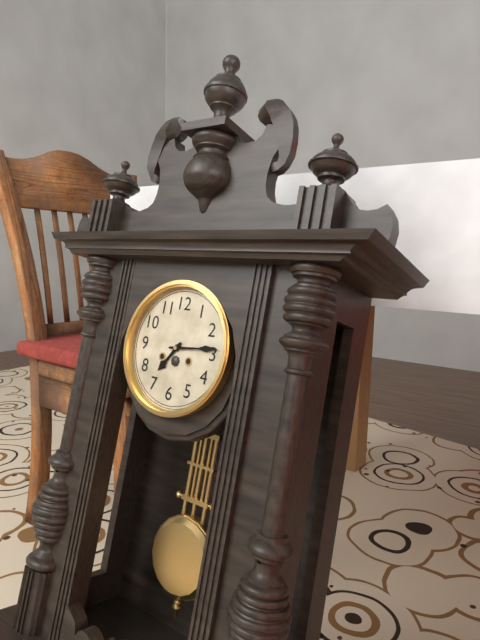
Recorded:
**7:14**
